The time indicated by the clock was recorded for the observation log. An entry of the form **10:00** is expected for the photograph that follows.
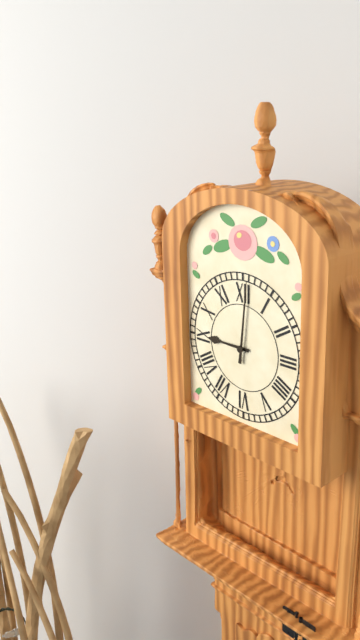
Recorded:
**9:01**
